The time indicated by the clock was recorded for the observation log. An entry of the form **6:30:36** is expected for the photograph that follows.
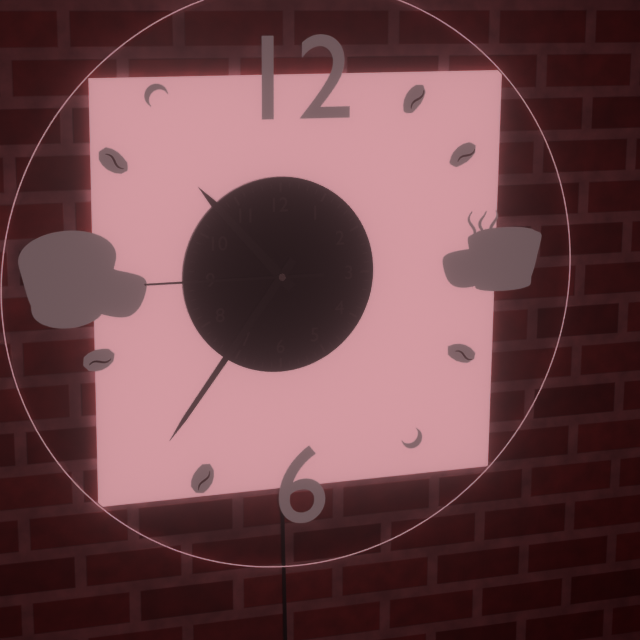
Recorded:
**10:36:45**
